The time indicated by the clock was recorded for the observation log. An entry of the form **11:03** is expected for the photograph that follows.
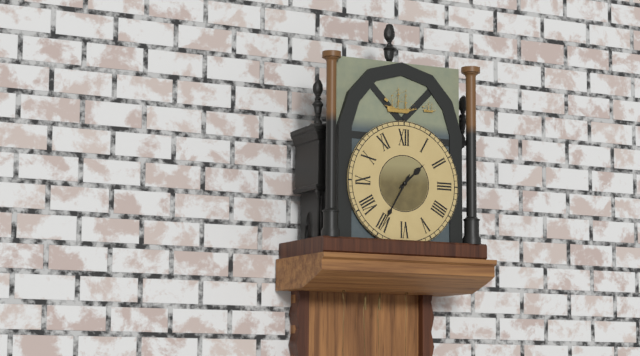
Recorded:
**1:35**
